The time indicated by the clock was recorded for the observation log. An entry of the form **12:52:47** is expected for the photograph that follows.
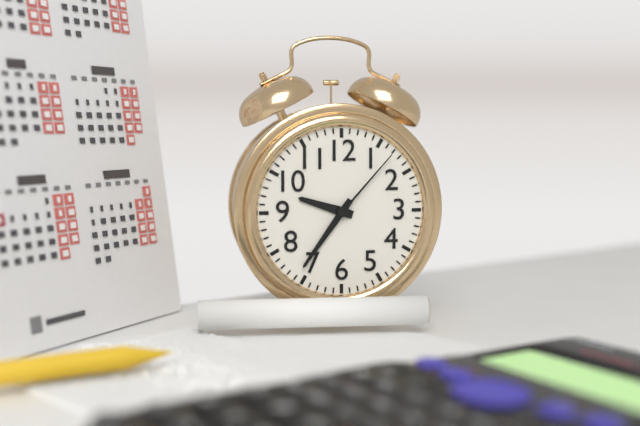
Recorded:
**9:36:07**
